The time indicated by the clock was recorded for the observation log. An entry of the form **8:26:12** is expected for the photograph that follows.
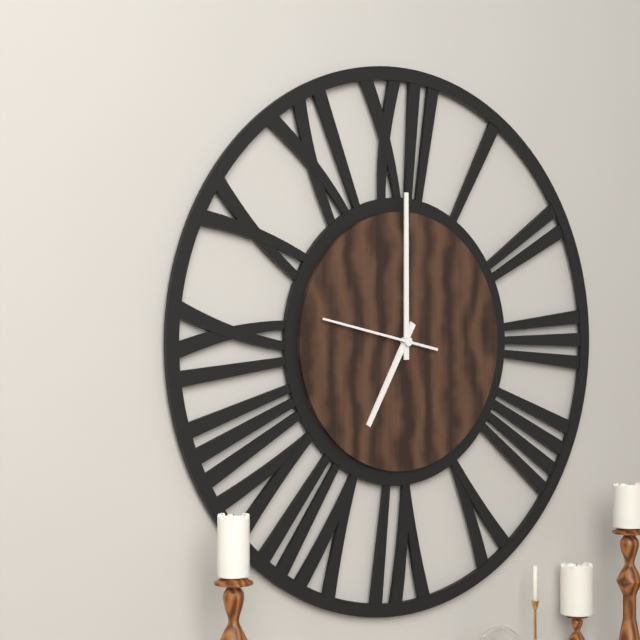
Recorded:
**7:00:47**
